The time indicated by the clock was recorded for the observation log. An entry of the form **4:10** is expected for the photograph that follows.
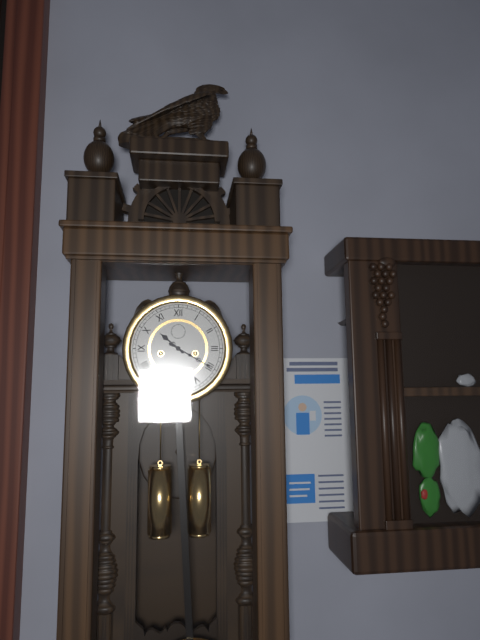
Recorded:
**10:20**
